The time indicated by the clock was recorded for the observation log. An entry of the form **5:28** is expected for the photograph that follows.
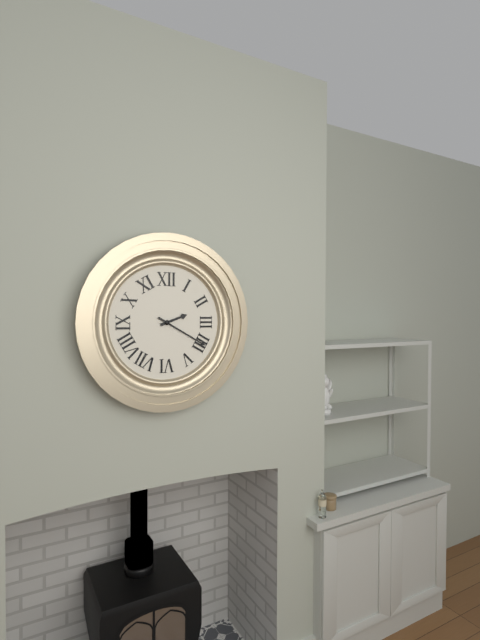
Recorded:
**2:20**
